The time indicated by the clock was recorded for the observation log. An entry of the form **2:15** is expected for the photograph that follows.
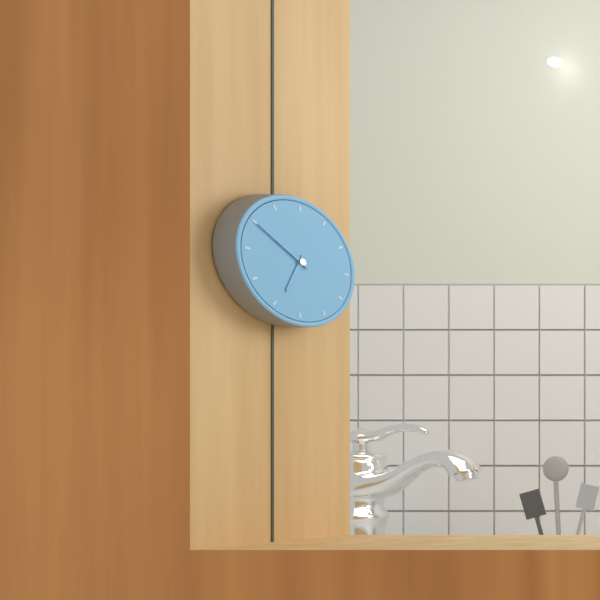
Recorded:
**6:50**
